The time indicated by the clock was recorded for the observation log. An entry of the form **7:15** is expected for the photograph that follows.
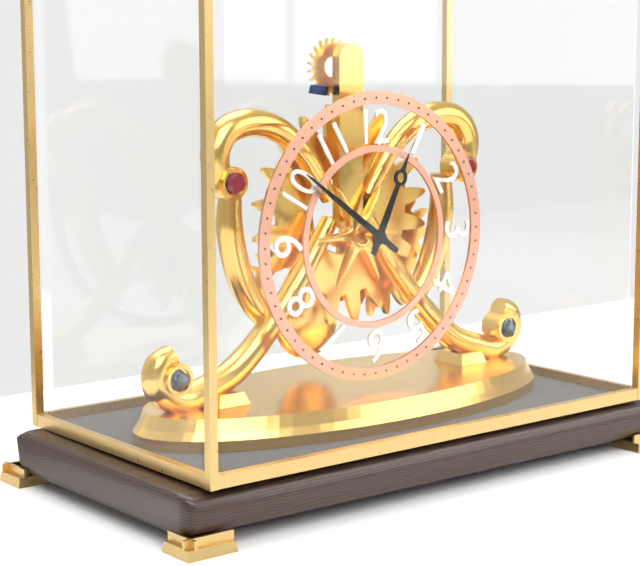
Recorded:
**12:51**
